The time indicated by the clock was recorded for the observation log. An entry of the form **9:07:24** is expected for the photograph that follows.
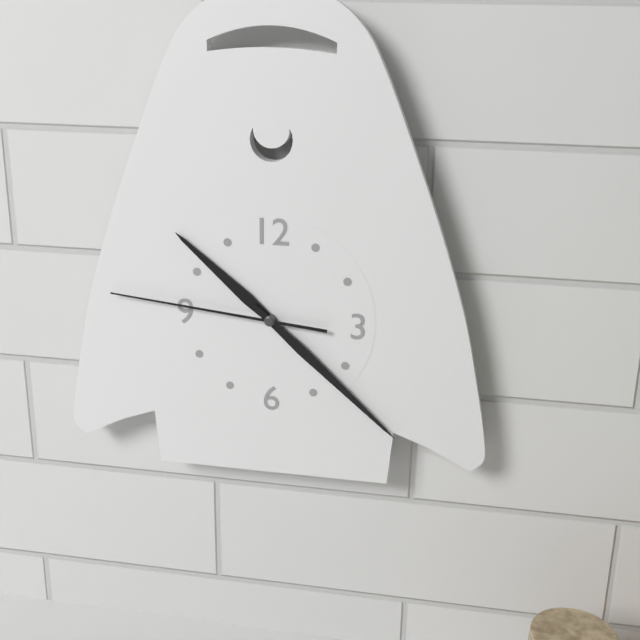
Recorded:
**10:22:46**
